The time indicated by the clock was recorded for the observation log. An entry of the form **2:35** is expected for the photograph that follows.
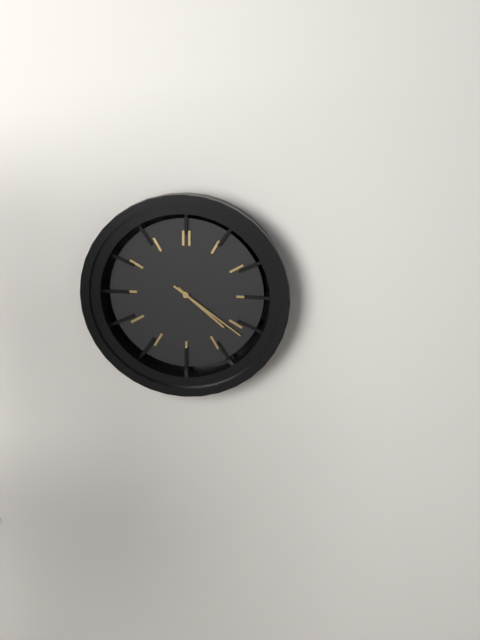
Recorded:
**4:21**
